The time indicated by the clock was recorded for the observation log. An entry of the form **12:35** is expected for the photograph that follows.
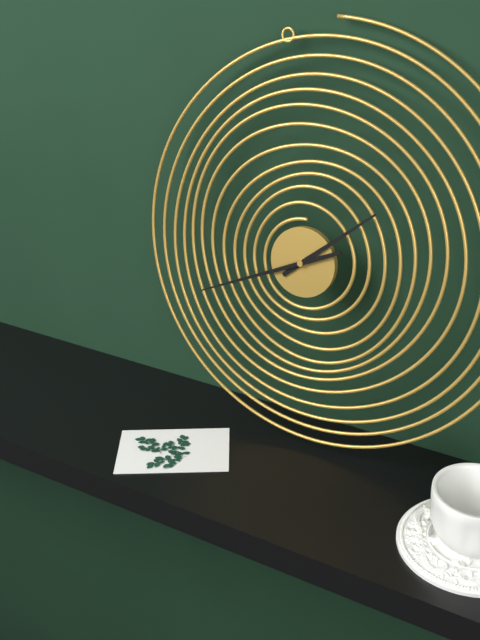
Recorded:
**1:41**
